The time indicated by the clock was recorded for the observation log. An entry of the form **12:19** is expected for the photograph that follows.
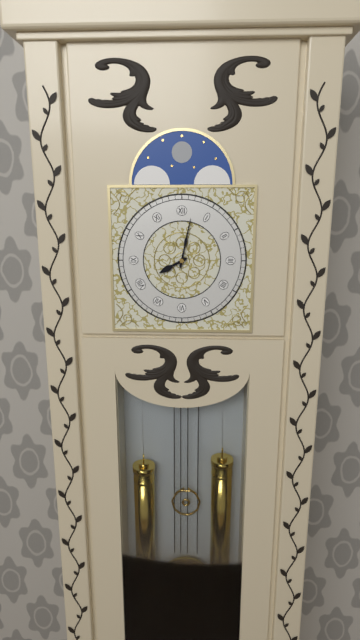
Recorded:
**8:02**
